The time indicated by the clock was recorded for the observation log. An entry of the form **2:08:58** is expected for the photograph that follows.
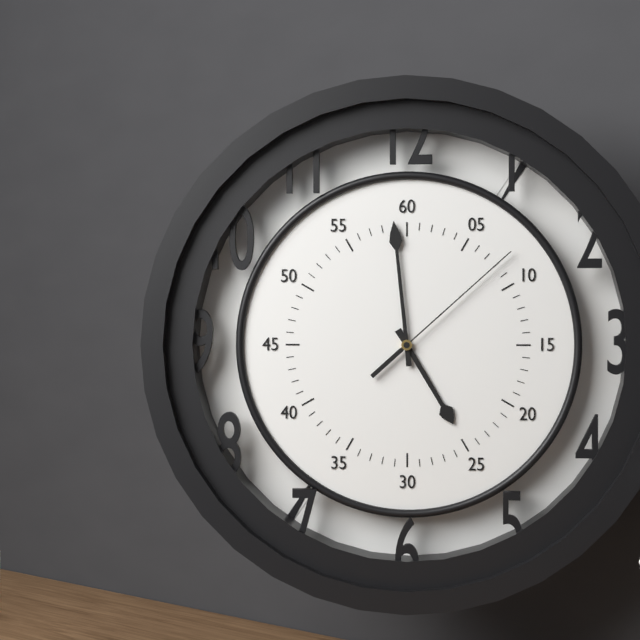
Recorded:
**4:59:08**
